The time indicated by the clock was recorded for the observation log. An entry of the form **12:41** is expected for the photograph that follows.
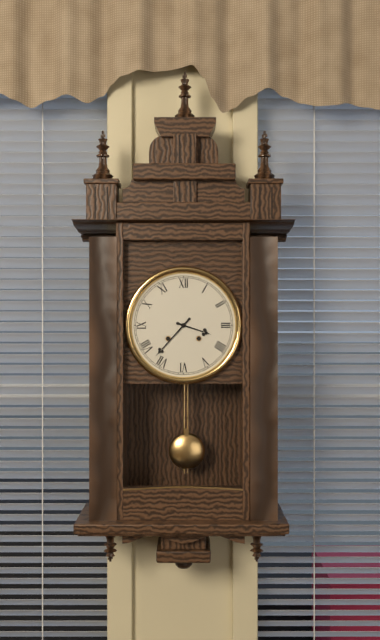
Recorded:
**3:37**
